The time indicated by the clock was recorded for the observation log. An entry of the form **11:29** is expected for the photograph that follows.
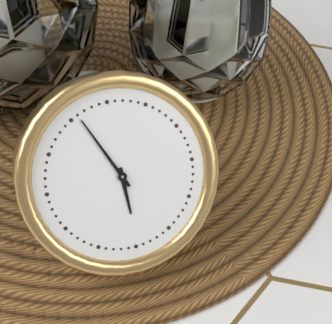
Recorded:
**5:56**
